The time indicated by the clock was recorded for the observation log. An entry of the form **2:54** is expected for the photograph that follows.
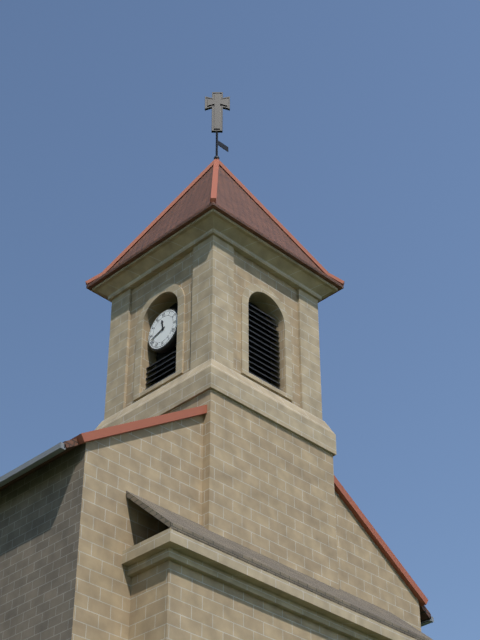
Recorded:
**11:42**
